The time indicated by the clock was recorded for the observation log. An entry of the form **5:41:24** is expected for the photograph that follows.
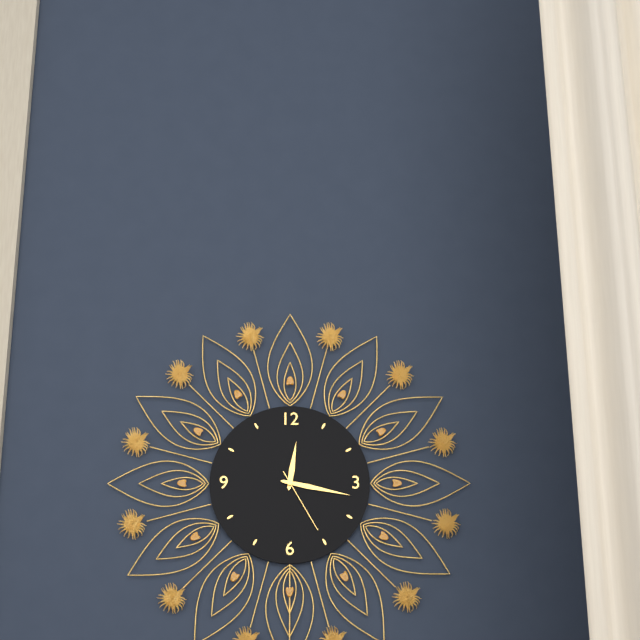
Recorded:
**12:17:25**
